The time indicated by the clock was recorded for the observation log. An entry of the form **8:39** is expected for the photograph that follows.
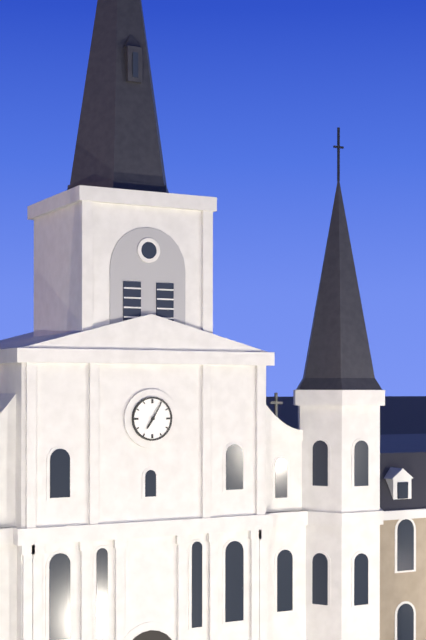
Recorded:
**7:05**
